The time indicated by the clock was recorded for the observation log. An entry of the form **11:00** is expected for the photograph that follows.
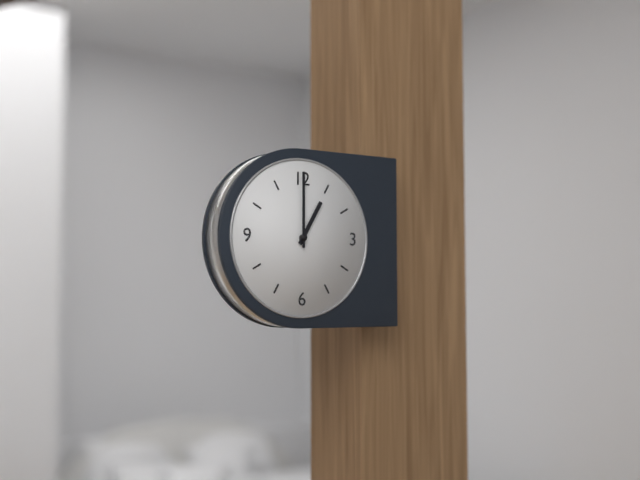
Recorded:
**1:00**
